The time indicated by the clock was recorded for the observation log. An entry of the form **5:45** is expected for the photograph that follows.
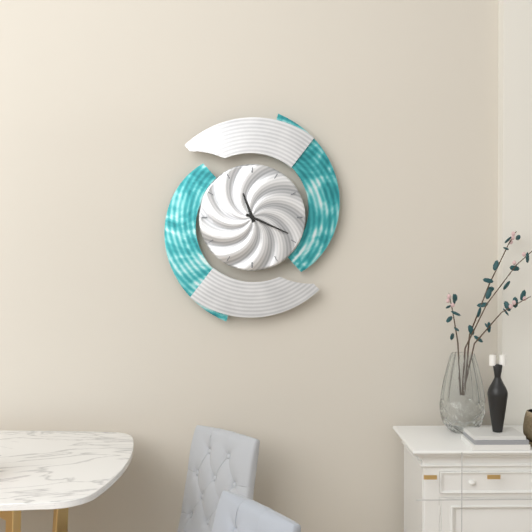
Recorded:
**11:19**
